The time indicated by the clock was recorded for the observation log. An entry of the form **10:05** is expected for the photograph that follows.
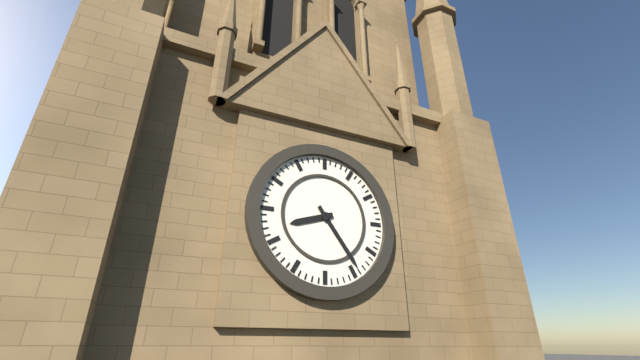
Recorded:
**8:24**
